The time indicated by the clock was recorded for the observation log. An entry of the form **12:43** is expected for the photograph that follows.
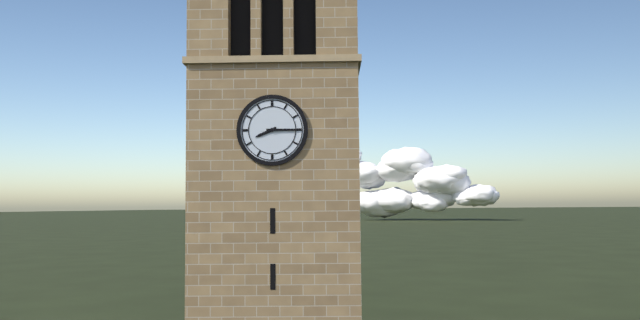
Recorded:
**8:15**
